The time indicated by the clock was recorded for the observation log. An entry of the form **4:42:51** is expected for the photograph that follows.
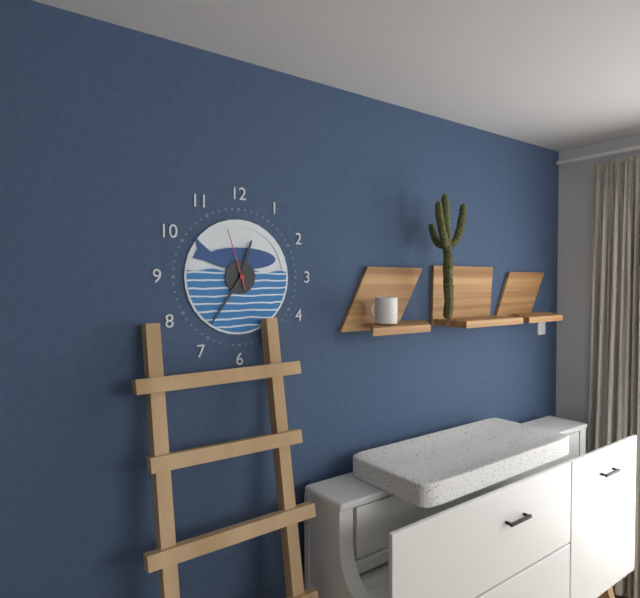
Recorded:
**12:36:57**
